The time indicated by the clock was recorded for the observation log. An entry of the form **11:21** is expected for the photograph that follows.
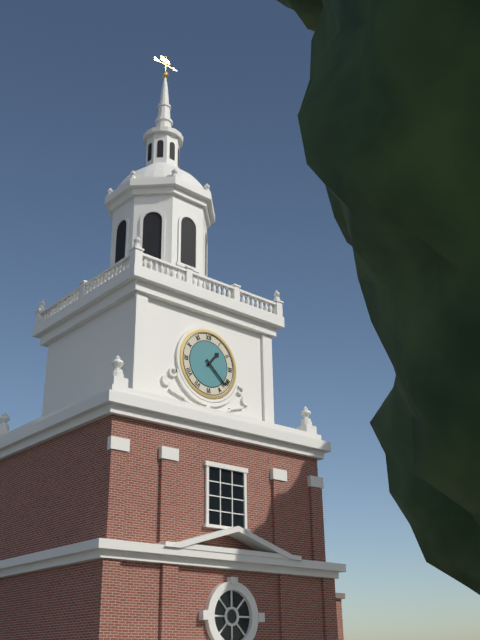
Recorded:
**1:22**
